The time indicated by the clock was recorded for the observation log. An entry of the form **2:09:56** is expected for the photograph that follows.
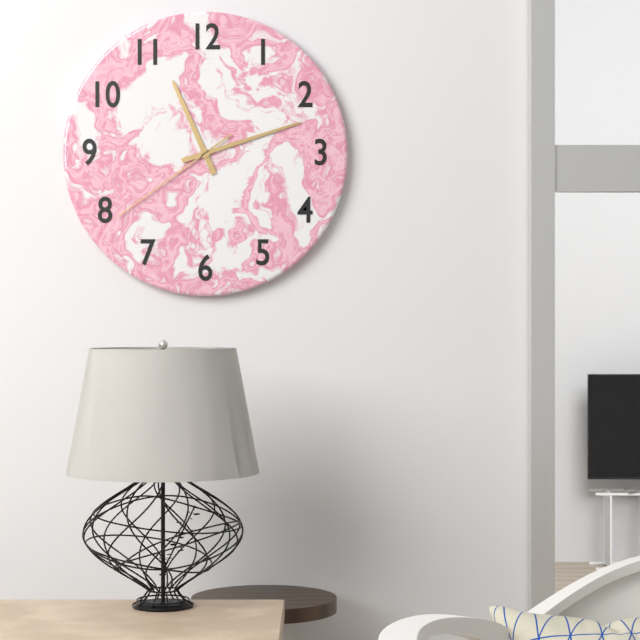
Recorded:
**11:12:39**
